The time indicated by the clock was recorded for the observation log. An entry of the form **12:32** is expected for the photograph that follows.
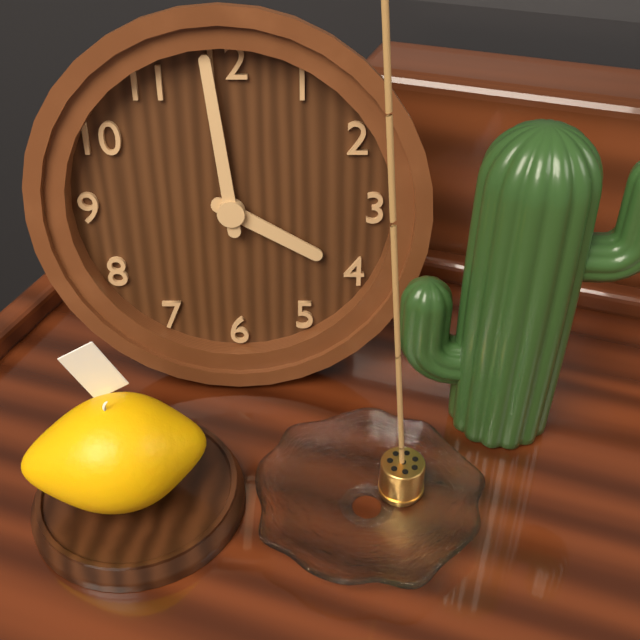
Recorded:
**3:59**
